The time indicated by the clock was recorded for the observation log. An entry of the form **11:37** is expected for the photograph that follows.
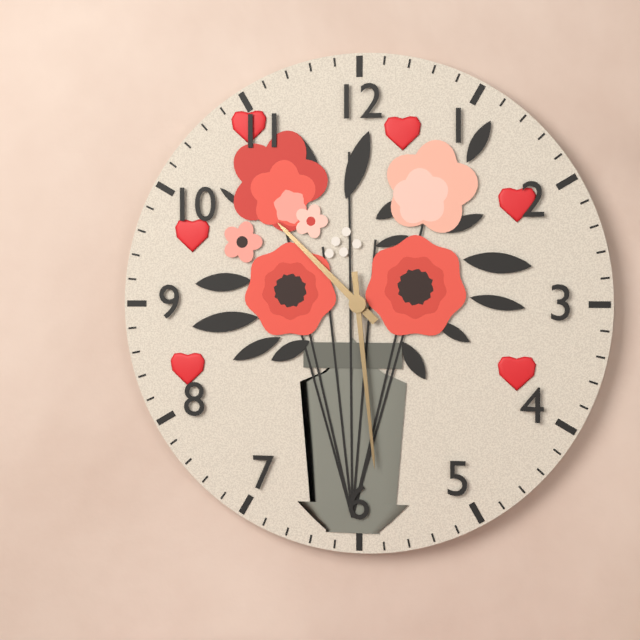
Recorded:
**10:29**
